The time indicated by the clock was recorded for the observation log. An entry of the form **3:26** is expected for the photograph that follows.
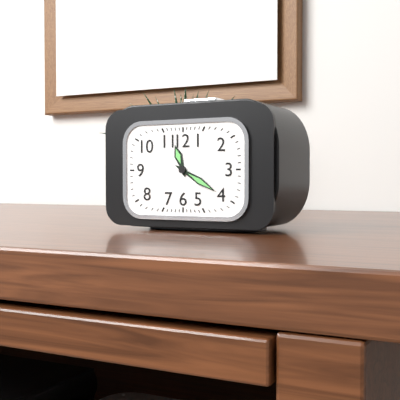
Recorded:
**11:20**
